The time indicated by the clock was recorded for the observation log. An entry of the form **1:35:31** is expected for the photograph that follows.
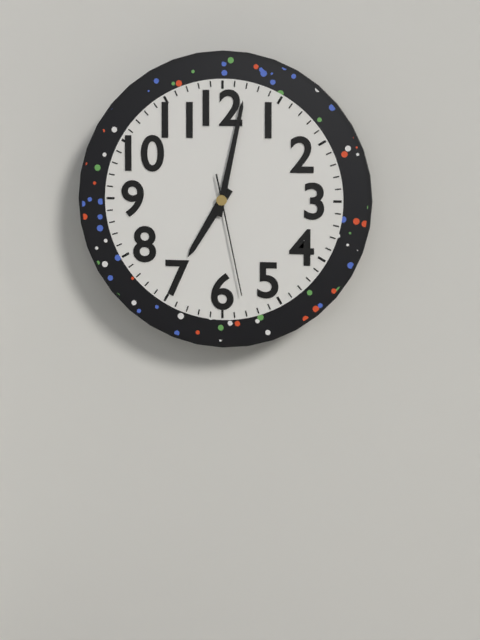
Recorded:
**7:02:28**
